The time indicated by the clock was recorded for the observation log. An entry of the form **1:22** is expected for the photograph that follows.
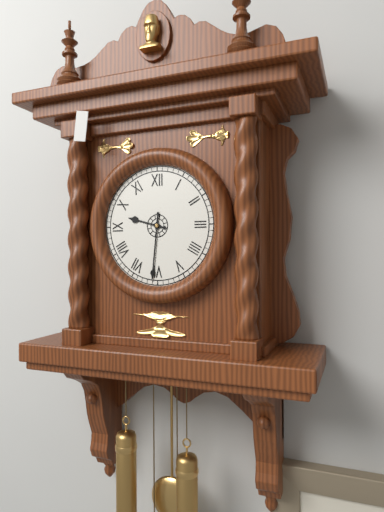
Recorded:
**9:31**
